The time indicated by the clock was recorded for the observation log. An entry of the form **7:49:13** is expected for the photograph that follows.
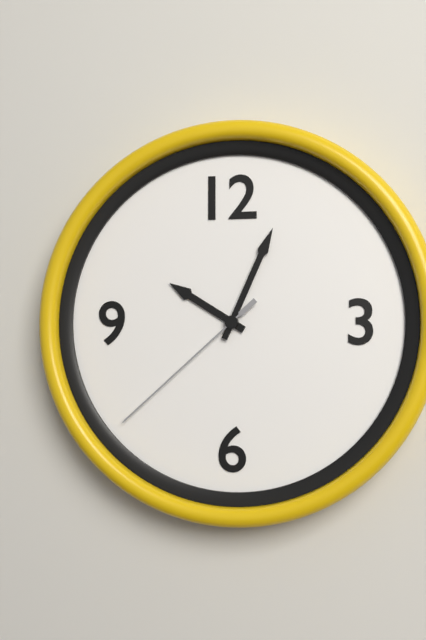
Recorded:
**10:04:38**
